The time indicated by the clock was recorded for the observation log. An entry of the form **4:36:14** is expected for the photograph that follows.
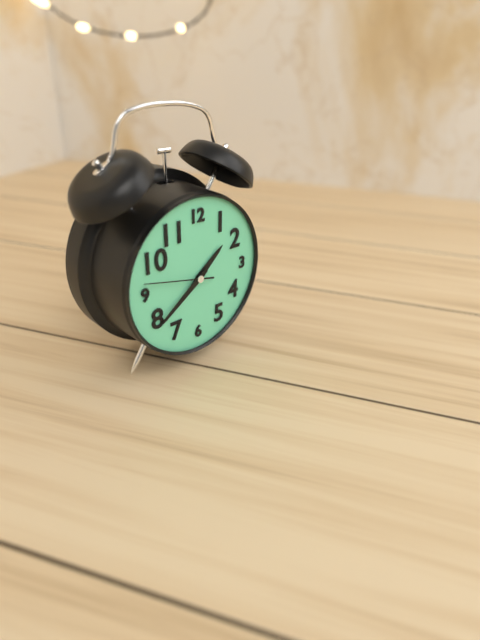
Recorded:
**1:39:47**
